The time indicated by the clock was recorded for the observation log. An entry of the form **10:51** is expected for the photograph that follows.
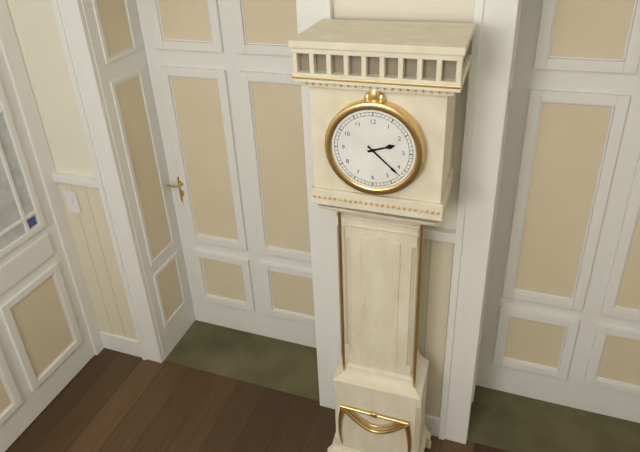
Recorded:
**2:22**
